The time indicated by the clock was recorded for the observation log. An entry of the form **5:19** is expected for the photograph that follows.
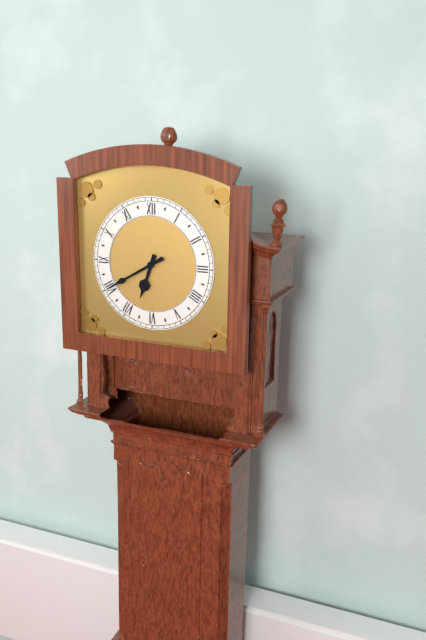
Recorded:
**6:40**
